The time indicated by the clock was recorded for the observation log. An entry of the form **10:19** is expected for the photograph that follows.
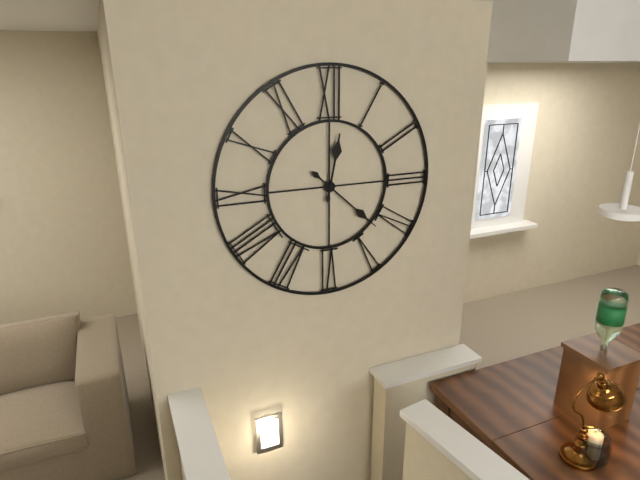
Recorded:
**12:22**
